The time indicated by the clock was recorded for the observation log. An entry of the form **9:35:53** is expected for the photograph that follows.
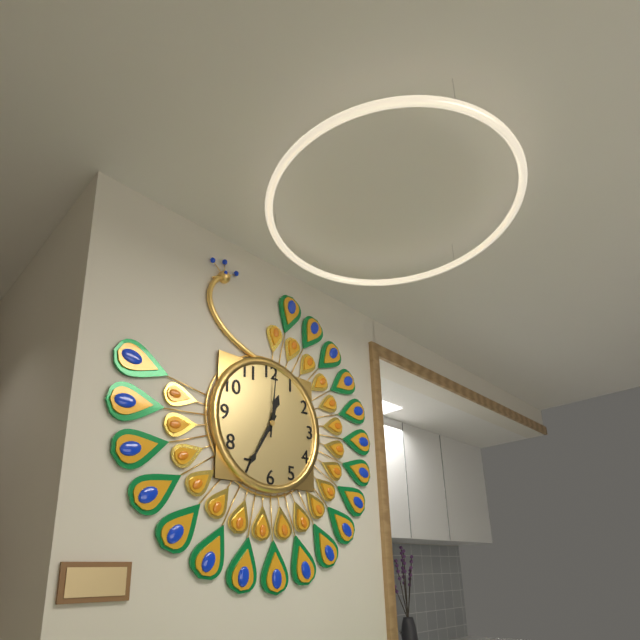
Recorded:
**12:35:01**
